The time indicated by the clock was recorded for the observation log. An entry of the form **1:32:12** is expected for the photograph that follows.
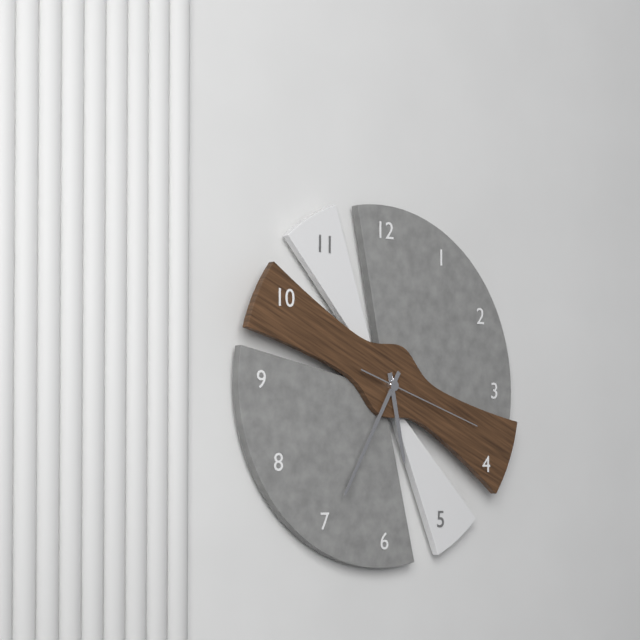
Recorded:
**5:35:18**
